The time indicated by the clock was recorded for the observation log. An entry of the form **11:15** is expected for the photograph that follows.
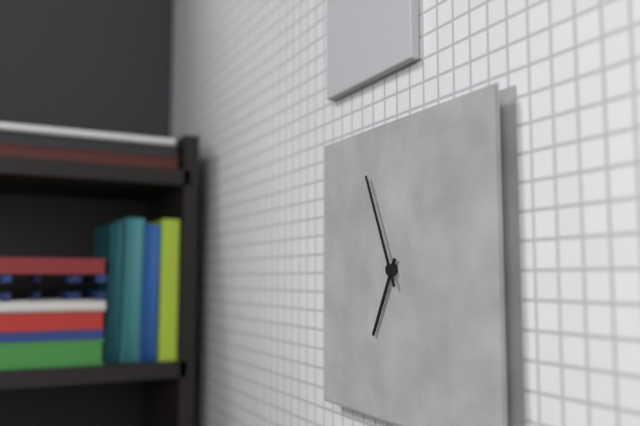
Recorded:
**6:56**
